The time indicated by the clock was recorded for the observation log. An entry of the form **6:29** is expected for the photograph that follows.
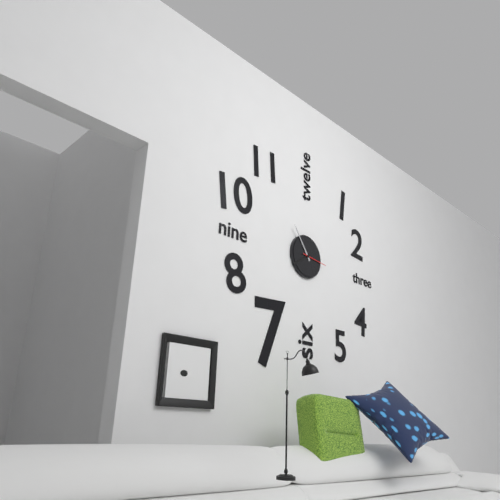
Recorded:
**7:54**
